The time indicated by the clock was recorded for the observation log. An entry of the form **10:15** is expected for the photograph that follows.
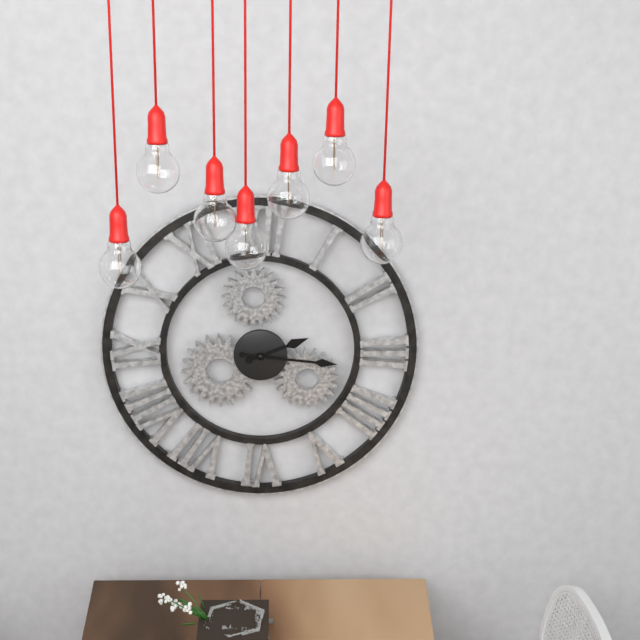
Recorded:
**2:16**
